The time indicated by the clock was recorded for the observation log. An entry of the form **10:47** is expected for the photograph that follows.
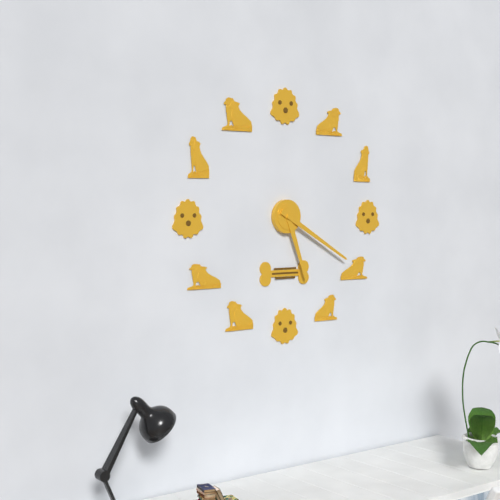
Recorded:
**5:20**
